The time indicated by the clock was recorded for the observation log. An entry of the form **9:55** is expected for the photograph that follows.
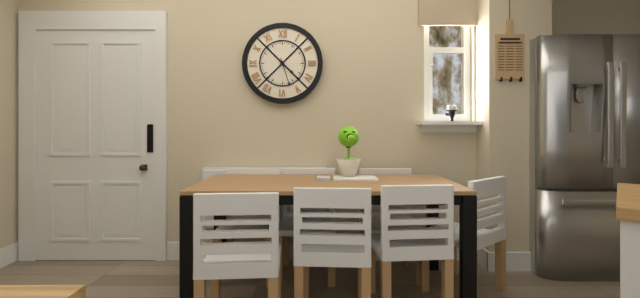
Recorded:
**4:27**
